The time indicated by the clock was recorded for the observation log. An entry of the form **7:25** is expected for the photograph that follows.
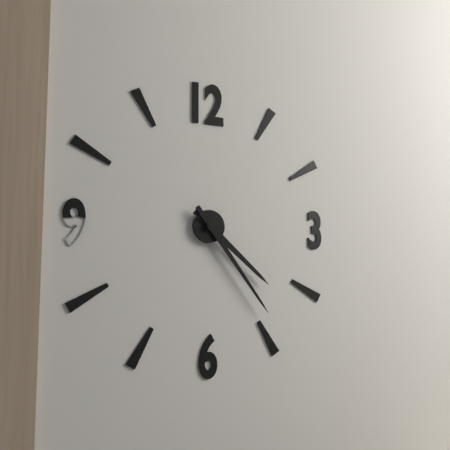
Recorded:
**4:24**
